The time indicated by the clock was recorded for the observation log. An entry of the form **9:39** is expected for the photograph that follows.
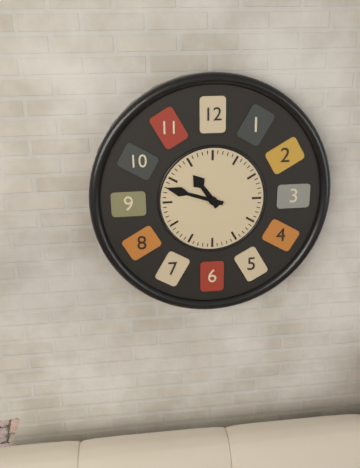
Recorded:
**10:48**
